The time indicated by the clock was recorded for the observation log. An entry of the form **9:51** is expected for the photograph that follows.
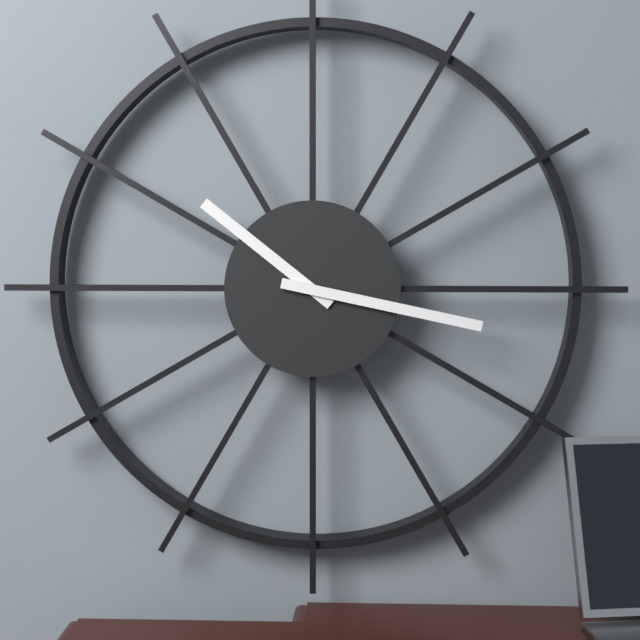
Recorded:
**10:17**
